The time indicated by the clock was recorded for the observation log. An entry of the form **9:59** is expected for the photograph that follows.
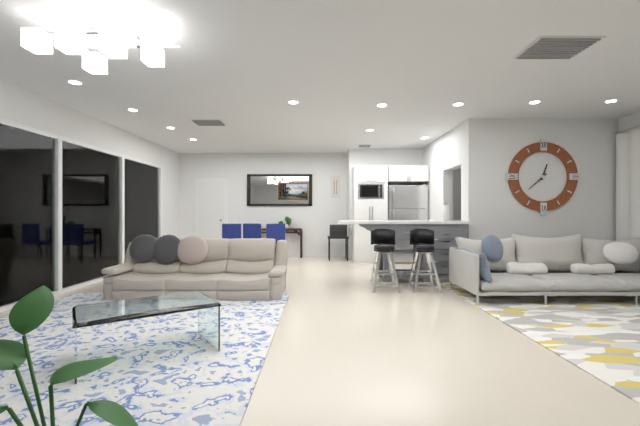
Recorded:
**12:38**
